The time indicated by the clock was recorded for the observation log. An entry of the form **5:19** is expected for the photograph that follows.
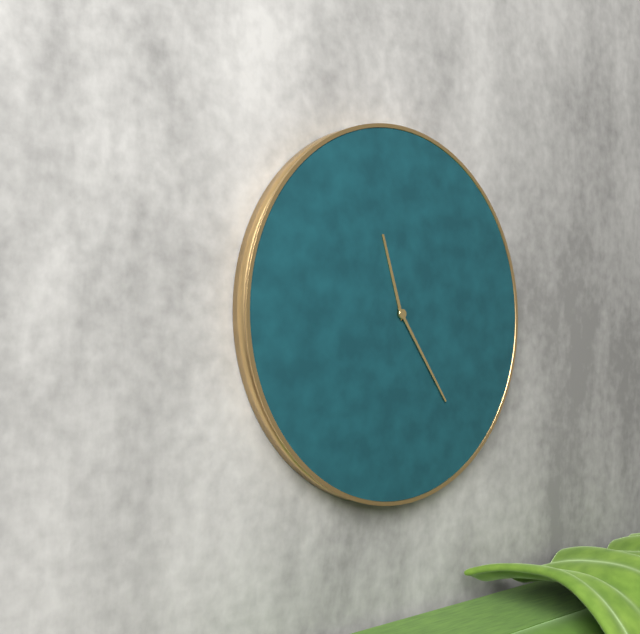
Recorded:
**11:24**
